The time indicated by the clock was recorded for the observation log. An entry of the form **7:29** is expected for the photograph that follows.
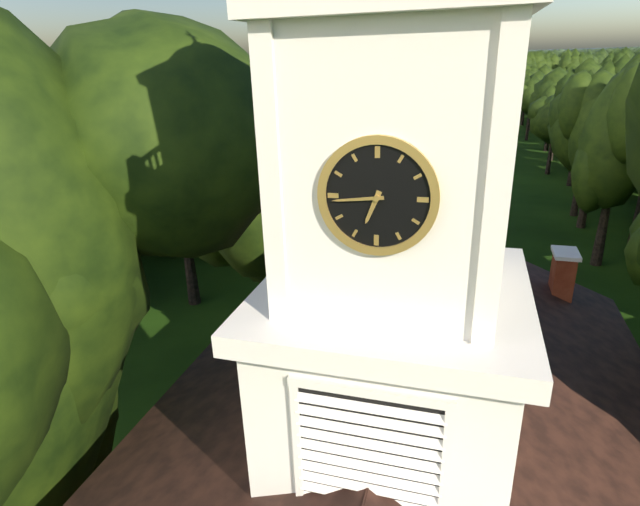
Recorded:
**6:44**
